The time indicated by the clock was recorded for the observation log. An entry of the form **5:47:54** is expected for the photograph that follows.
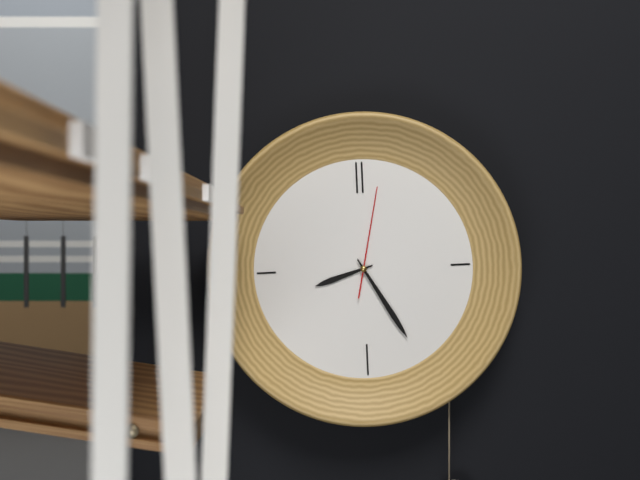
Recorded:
**8:25:02**
